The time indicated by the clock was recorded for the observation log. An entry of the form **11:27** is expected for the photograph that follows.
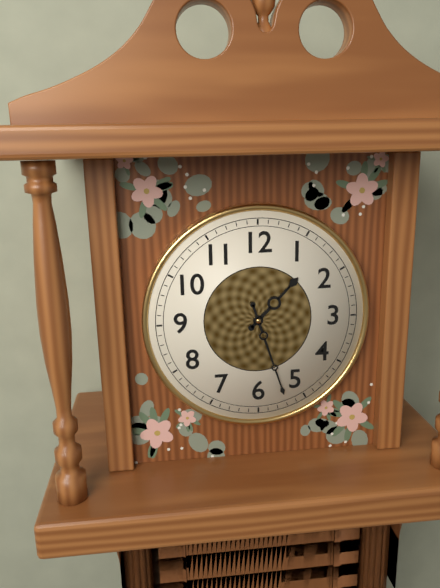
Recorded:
**1:27**
